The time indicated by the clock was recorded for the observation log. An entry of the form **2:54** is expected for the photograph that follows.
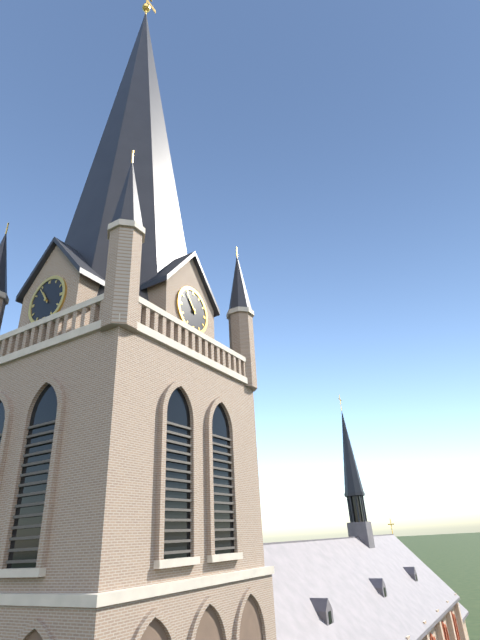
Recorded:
**10:54**
